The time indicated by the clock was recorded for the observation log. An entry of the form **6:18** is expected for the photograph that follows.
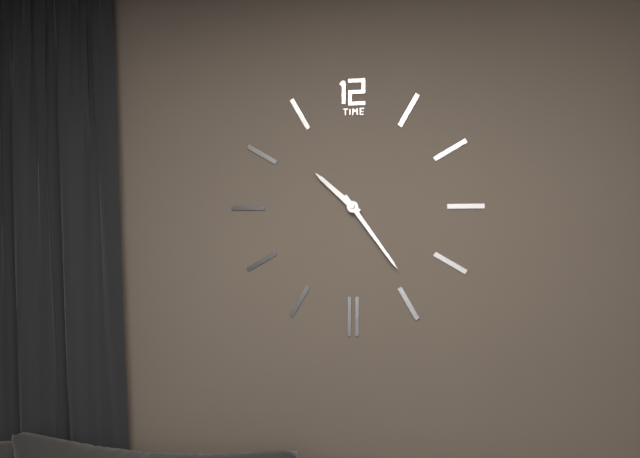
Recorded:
**10:24**
